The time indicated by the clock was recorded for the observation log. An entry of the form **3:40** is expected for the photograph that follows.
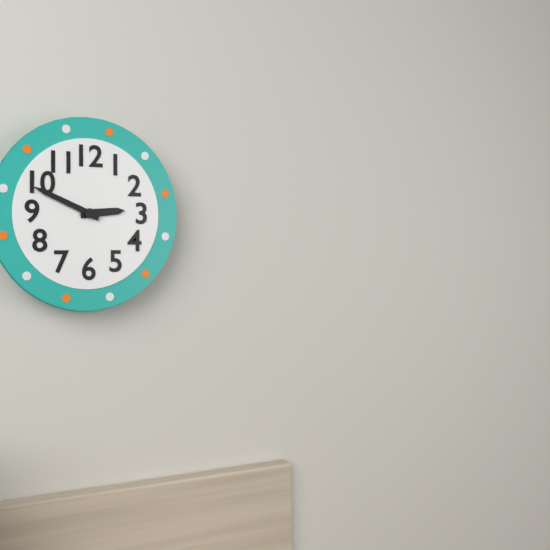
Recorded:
**2:49**
